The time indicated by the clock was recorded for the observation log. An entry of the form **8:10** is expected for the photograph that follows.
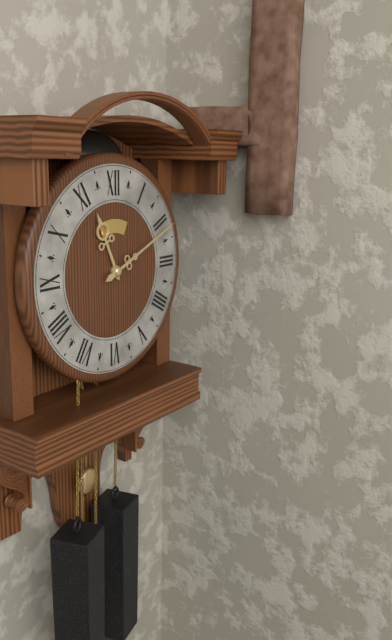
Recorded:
**11:11**
